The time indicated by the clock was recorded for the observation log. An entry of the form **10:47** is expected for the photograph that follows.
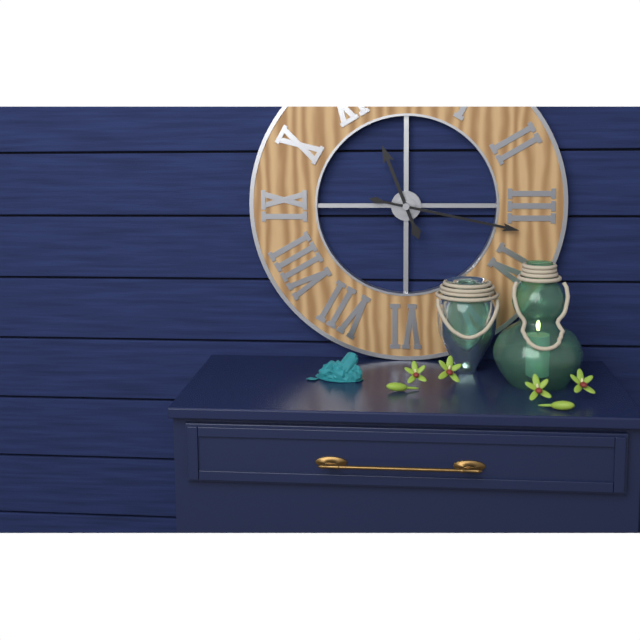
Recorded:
**11:17**
